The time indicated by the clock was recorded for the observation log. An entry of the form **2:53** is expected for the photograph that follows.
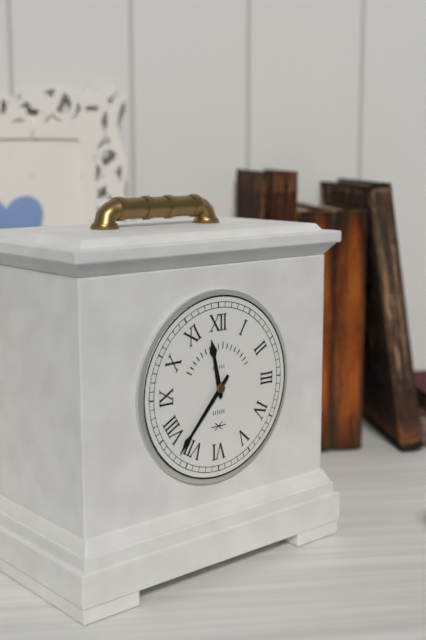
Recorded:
**11:37**
